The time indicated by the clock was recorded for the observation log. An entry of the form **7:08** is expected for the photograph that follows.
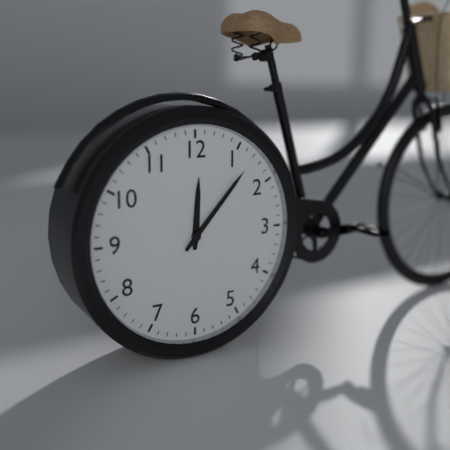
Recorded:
**12:07**
